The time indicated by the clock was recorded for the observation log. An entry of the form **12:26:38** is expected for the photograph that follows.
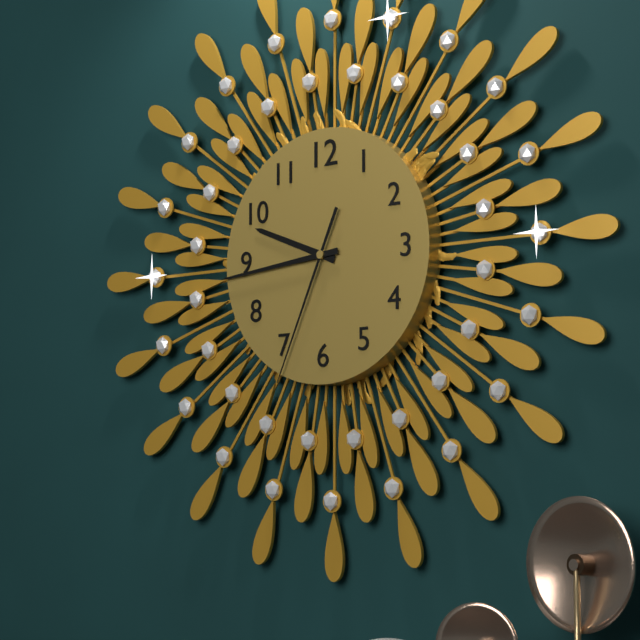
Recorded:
**9:44:34**
